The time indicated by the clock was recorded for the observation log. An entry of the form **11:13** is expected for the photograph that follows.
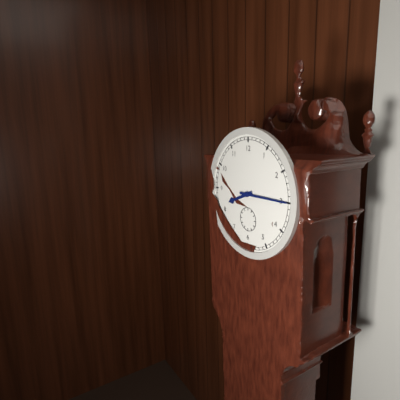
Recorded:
**8:15**
